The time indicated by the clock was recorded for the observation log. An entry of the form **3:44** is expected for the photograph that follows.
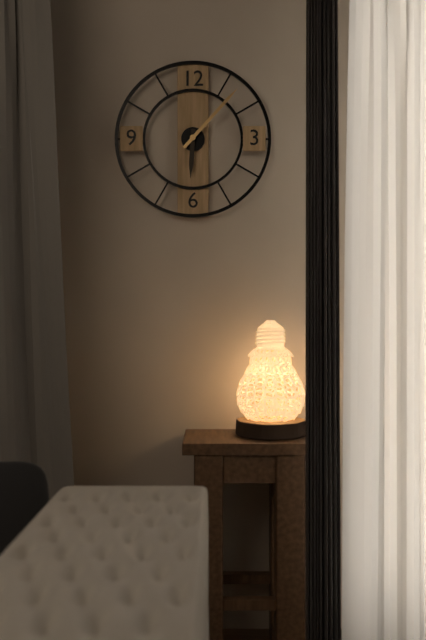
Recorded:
**6:07**
